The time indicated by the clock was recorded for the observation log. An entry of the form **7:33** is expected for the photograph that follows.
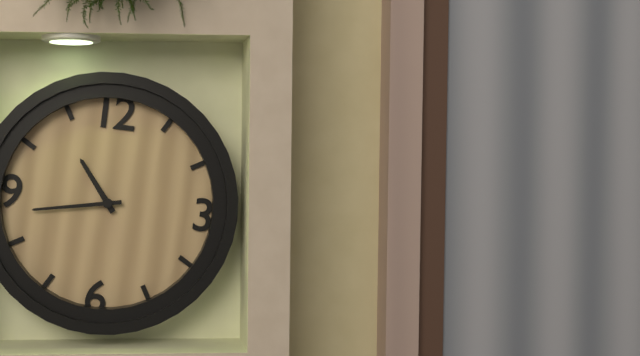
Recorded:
**10:43**
